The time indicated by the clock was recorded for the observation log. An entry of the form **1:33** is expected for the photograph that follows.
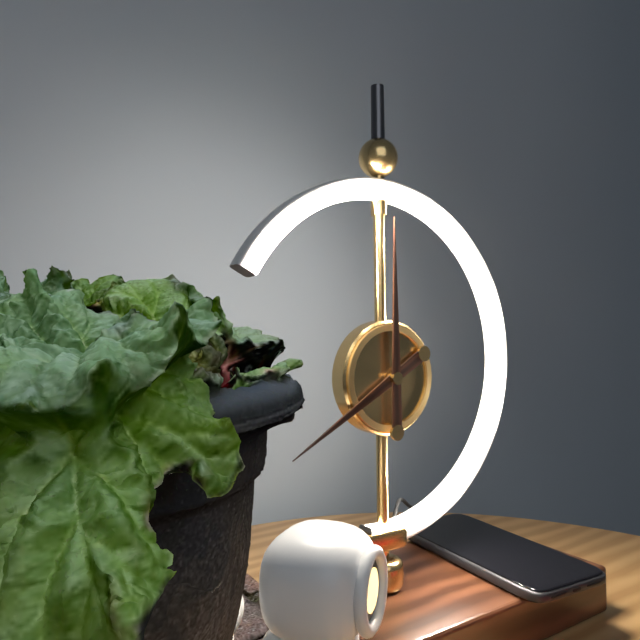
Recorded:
**8:00**
